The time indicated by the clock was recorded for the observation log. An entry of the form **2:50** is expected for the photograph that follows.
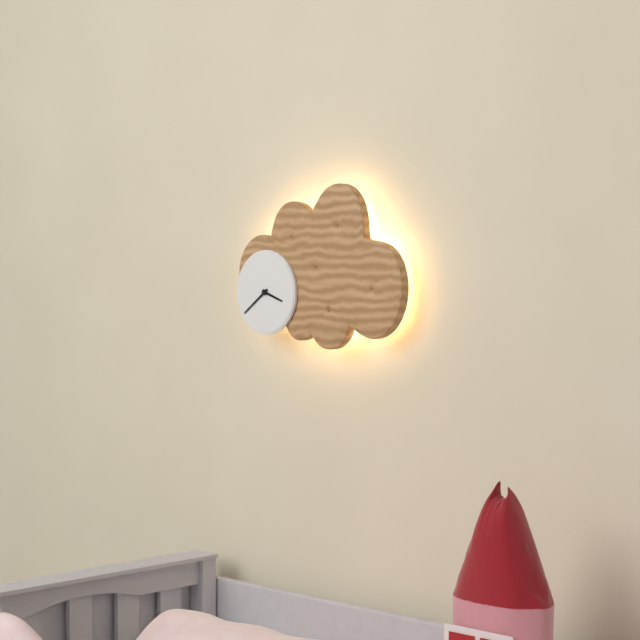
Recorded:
**3:39**
